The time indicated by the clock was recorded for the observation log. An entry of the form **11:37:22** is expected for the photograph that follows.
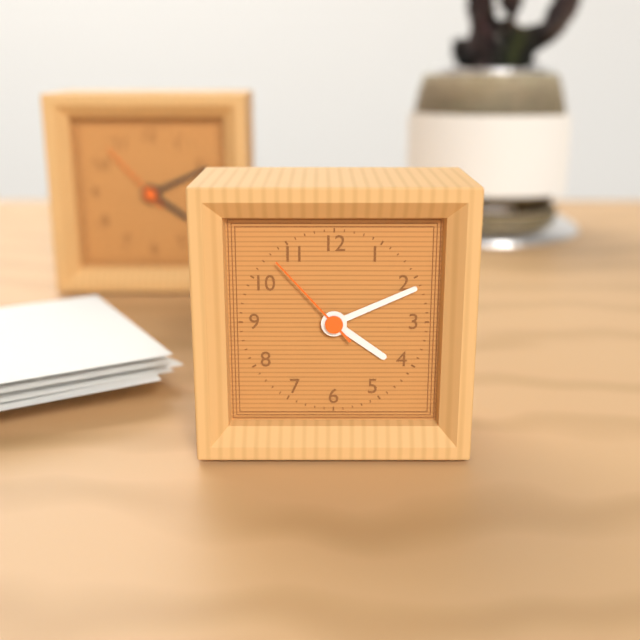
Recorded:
**4:11:53**
